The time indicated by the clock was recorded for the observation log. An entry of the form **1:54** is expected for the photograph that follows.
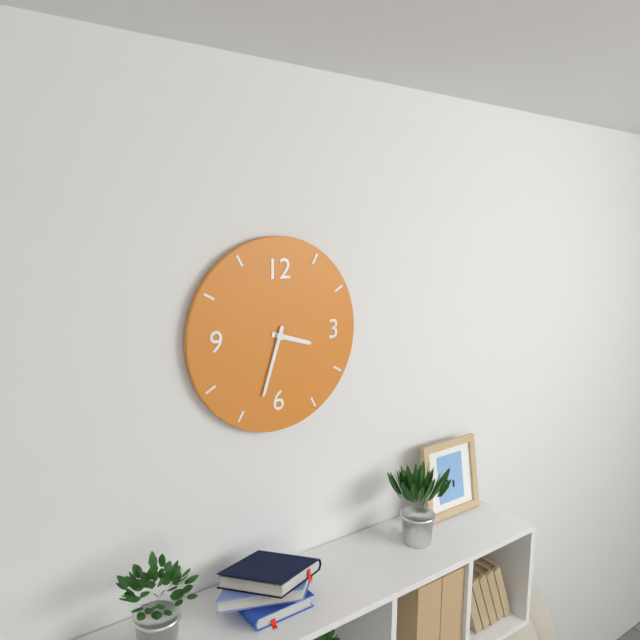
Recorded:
**3:33**
